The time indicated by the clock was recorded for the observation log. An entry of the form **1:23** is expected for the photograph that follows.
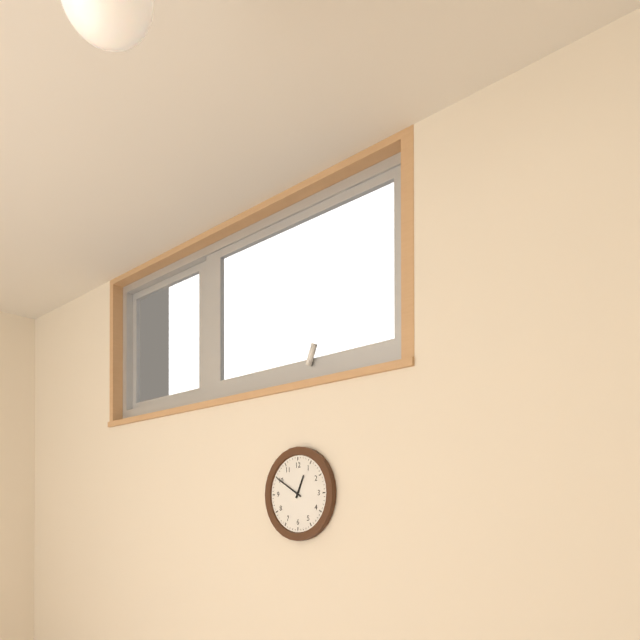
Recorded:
**12:50**
